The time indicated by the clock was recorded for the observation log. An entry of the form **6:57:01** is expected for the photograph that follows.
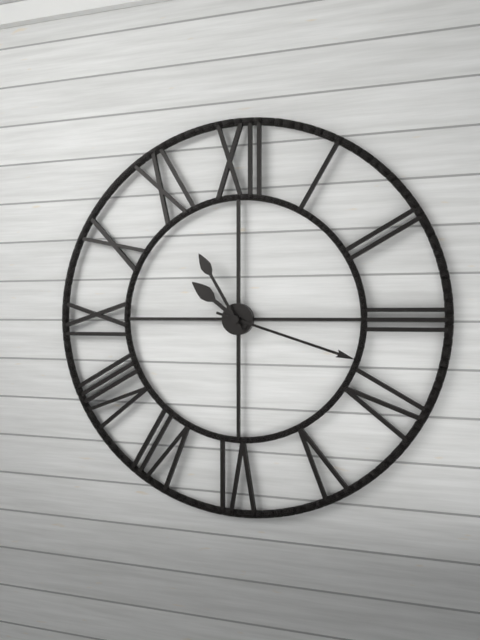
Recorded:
**10:18:55**
